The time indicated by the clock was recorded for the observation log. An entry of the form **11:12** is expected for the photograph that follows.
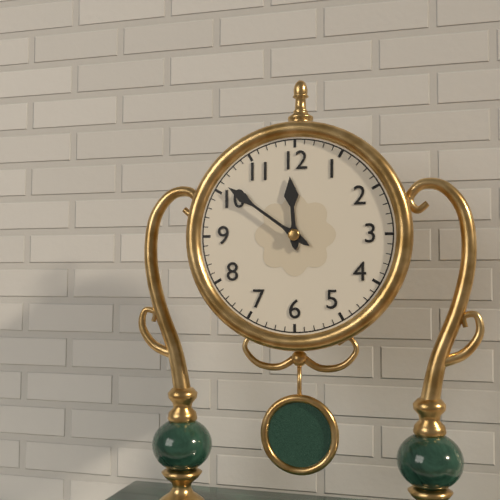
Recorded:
**11:51**
